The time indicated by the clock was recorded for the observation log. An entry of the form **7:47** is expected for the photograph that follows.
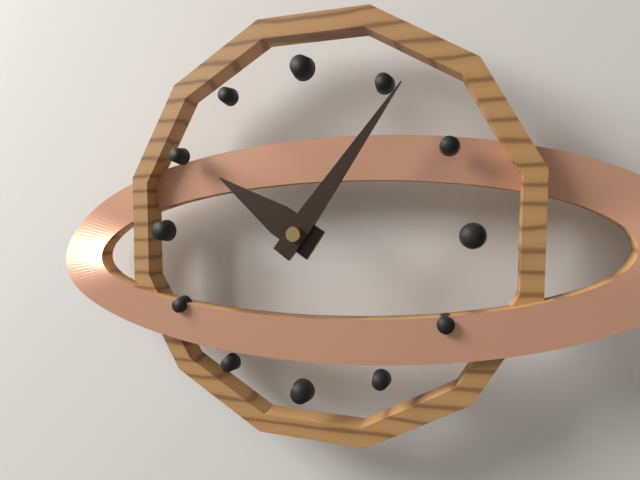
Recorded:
**10:06**
